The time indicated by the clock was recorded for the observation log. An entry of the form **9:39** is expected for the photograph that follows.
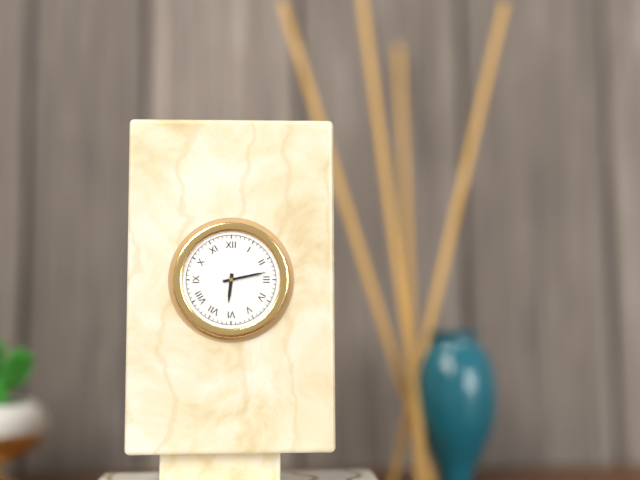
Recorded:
**6:13**
